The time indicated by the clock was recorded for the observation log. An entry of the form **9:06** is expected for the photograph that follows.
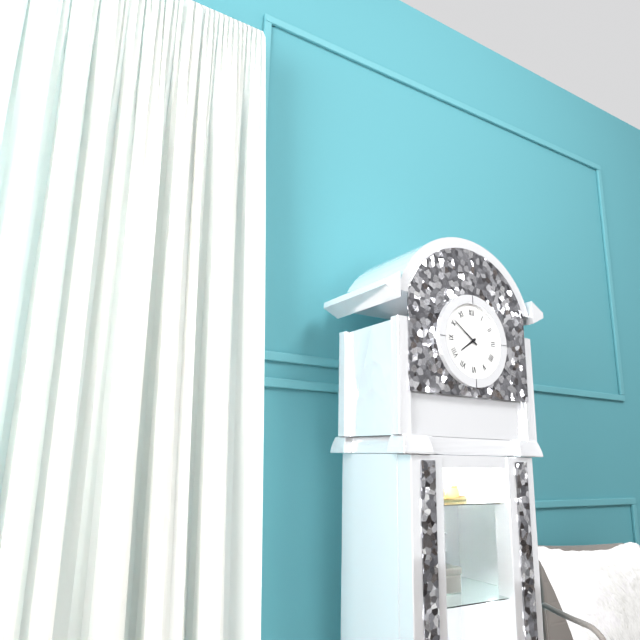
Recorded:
**7:51**
